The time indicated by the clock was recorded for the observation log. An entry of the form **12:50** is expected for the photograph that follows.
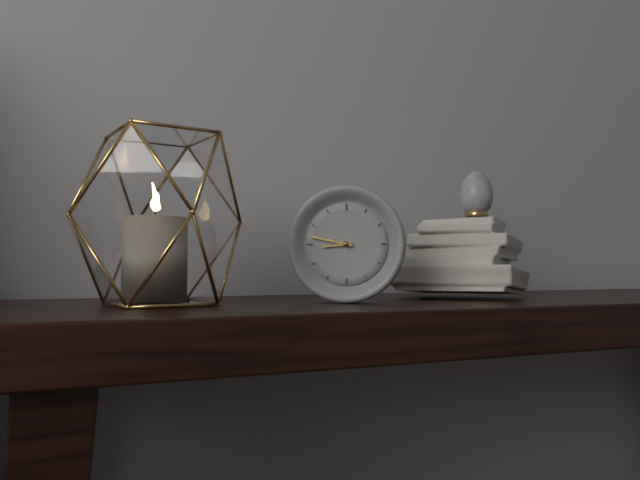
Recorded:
**8:47**
